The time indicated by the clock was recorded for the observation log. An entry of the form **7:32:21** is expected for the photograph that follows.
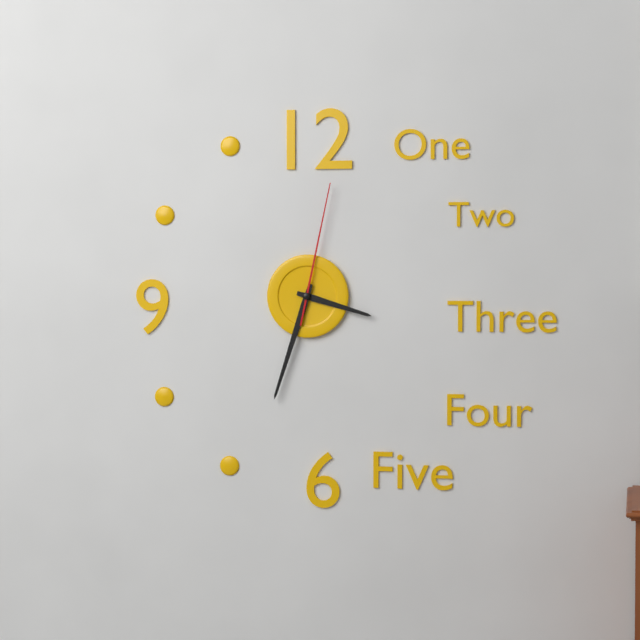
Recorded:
**3:33:02**
